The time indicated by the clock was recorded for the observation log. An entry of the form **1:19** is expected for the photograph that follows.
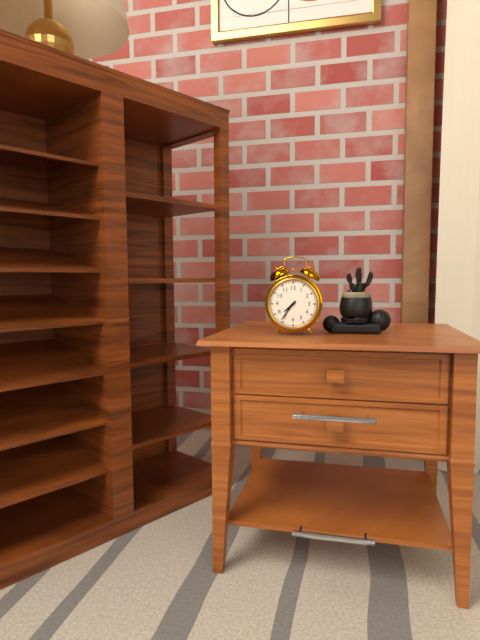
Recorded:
**7:36**
